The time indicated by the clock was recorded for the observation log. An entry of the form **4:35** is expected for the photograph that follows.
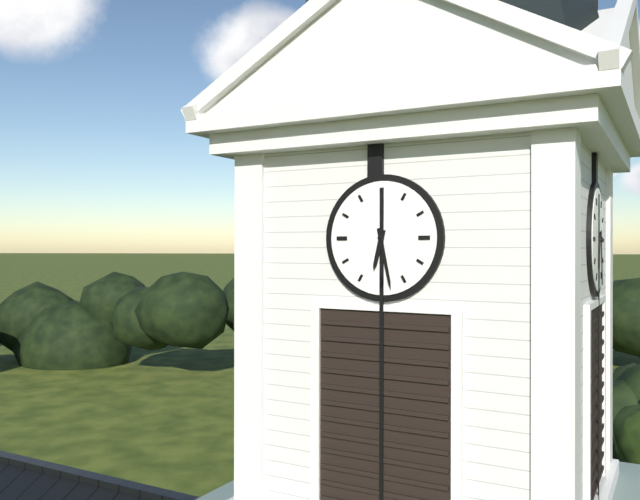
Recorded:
**6:28**
